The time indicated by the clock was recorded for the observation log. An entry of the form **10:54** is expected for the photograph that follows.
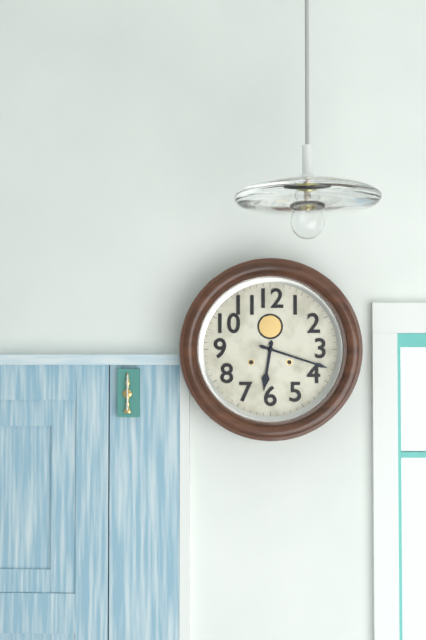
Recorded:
**6:18**
